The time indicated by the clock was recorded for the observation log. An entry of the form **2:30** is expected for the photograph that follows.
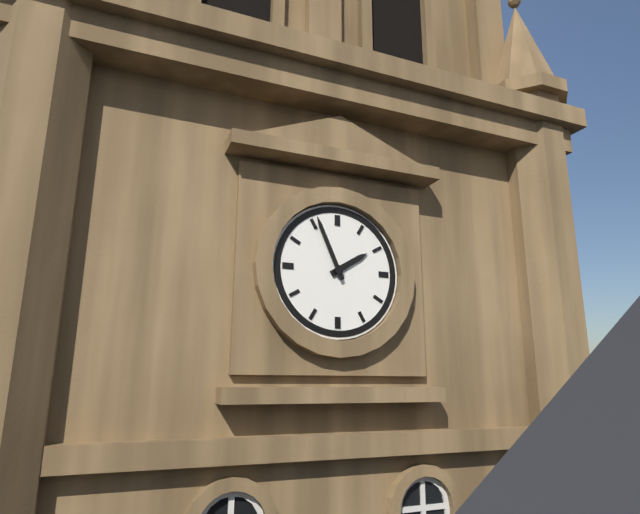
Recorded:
**1:56**
